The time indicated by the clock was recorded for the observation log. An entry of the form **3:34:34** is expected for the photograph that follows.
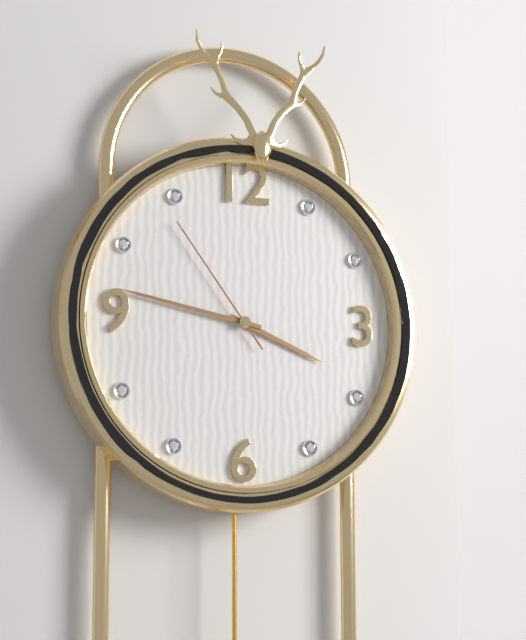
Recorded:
**3:47:54**
